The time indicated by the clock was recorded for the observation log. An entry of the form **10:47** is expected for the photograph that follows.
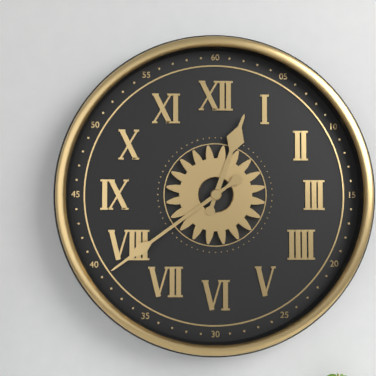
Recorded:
**12:39**
